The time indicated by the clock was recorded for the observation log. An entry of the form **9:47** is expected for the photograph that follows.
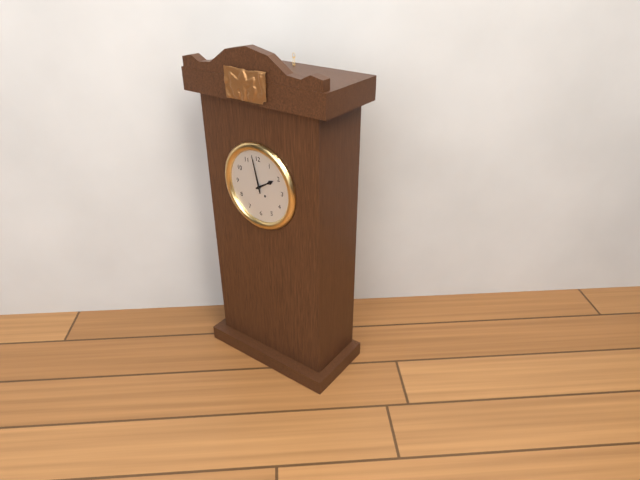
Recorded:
**1:58**
